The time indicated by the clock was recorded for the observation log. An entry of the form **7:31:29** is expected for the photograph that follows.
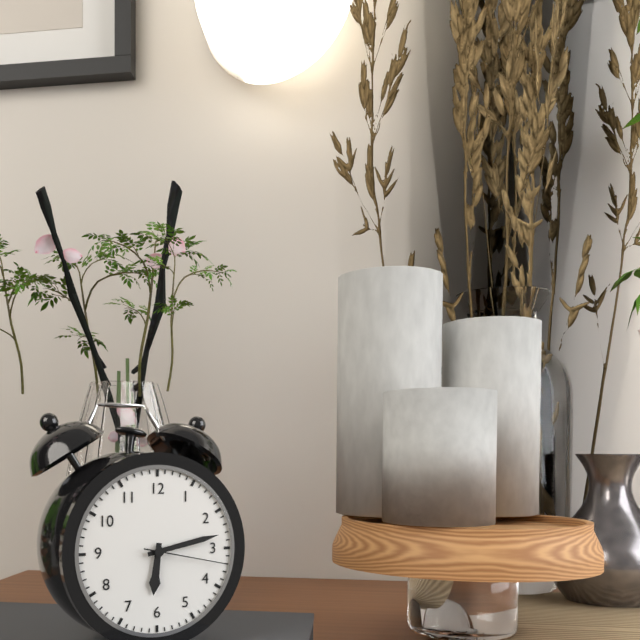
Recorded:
**6:13:17**
